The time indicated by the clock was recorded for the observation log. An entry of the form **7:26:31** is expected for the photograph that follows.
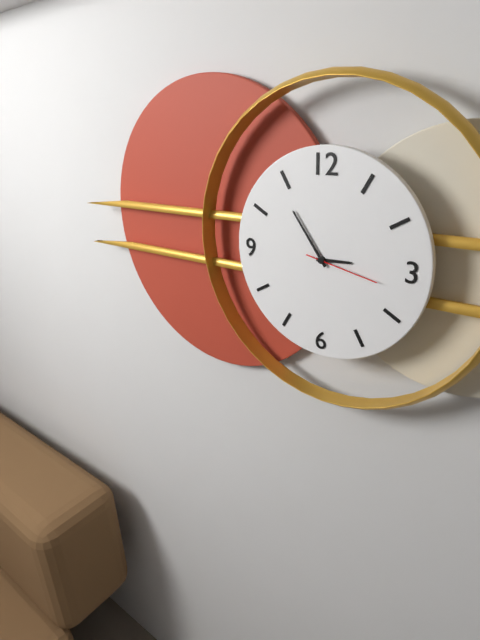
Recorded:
**2:54:17**
